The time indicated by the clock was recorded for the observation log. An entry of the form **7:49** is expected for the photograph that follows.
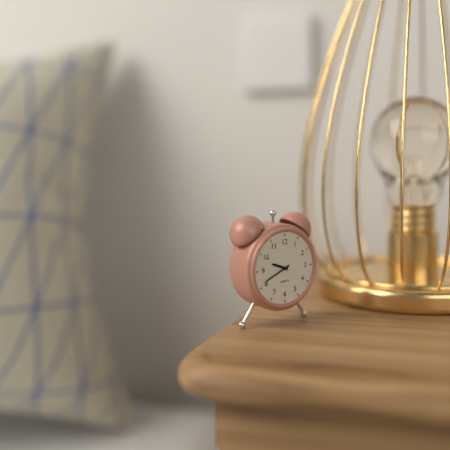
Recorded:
**9:41**
